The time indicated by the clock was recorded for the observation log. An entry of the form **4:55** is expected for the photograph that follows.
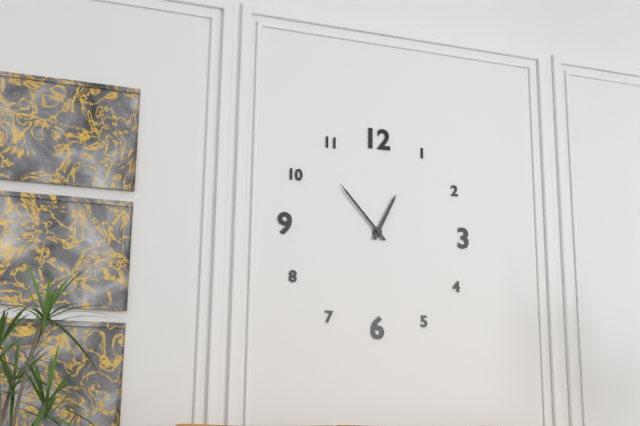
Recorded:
**12:53**
